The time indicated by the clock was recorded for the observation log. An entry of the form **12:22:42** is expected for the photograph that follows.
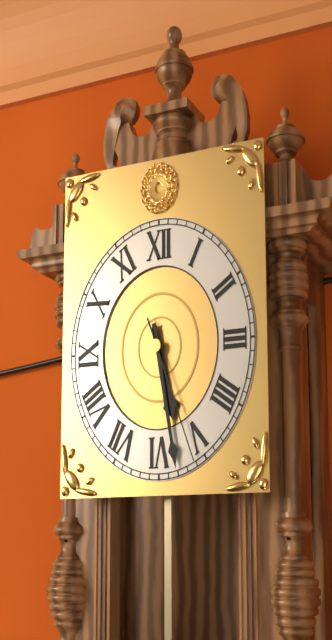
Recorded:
**5:28:26**
